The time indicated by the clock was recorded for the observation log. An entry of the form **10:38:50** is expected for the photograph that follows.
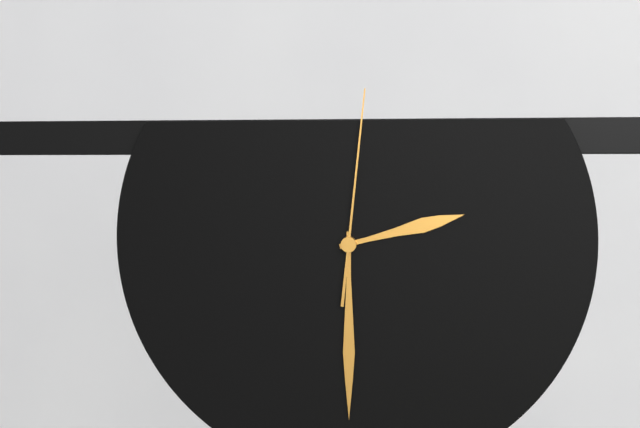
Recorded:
**2:30:01**
